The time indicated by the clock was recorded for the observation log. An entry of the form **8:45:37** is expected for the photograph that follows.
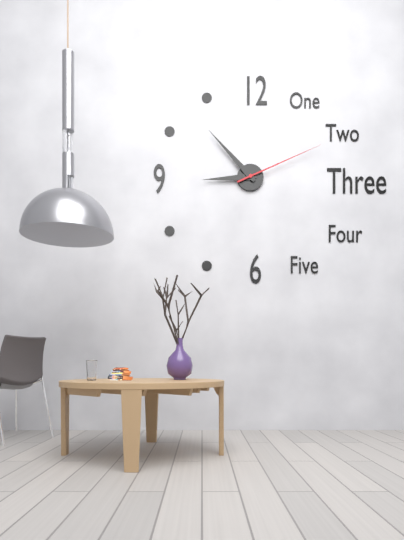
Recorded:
**8:53:11**
